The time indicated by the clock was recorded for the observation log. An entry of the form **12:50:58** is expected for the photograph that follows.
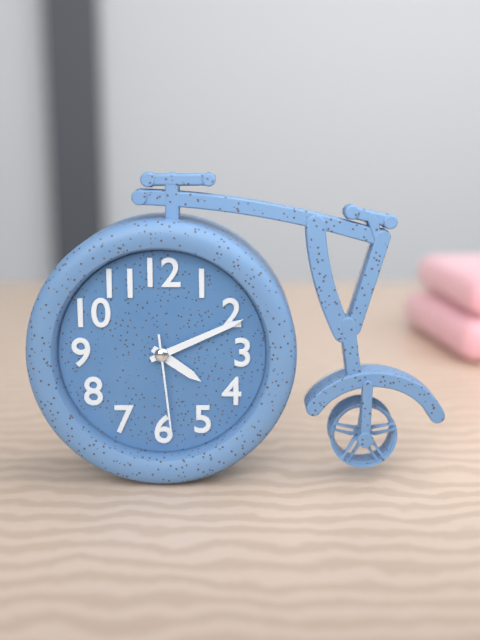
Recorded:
**4:11:29**
